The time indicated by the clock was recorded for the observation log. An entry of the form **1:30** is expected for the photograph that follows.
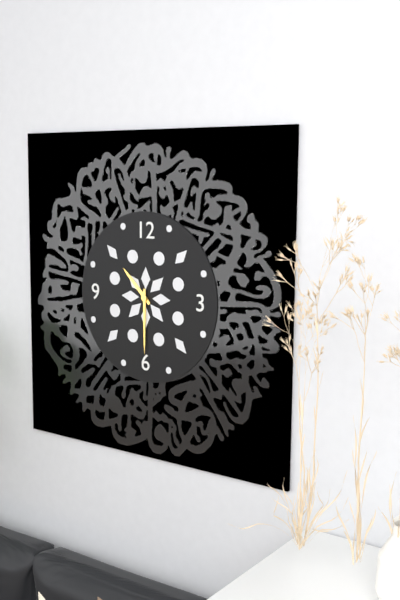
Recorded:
**10:30**
